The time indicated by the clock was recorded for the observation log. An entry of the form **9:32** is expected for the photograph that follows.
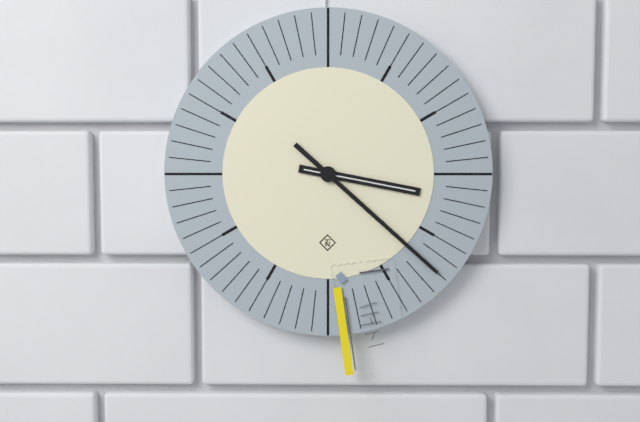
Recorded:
**3:22**
